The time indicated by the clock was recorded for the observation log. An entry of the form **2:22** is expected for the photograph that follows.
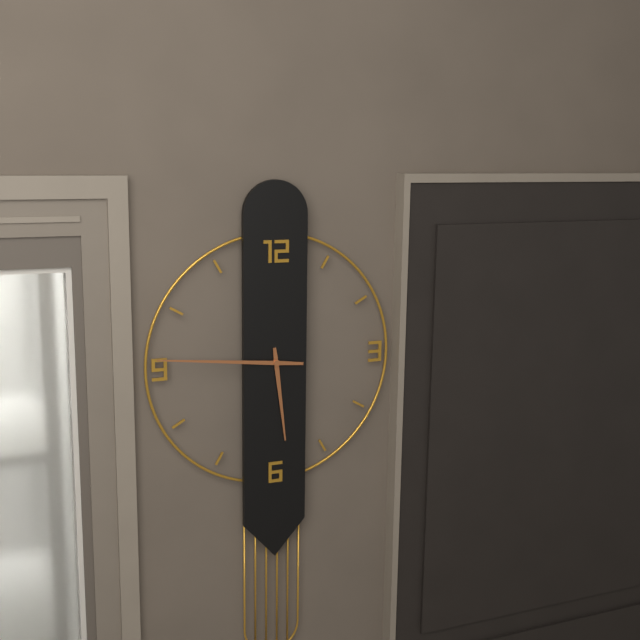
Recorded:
**5:46**
